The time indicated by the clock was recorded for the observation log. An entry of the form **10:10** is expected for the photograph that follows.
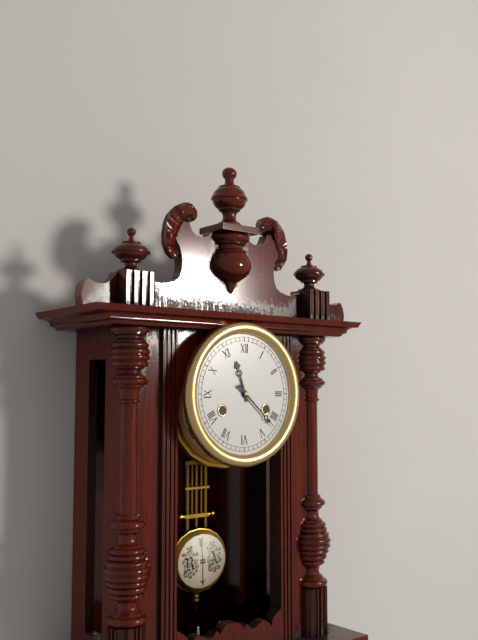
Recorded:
**11:22**
